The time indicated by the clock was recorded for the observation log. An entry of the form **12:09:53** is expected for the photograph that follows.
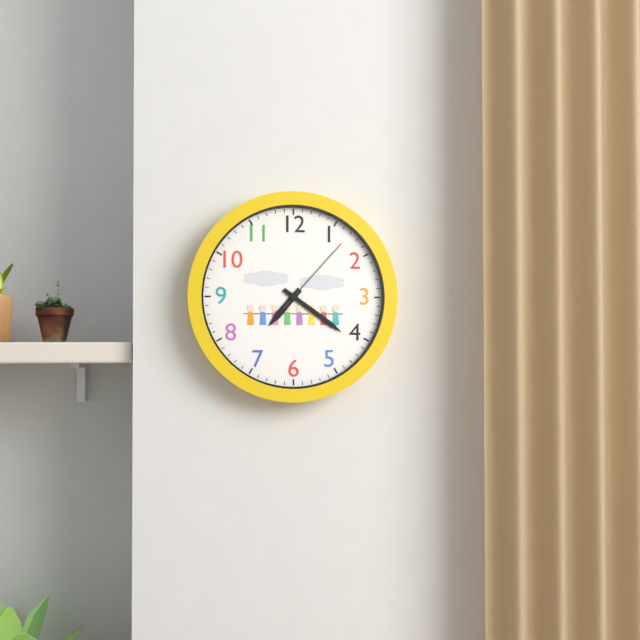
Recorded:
**7:21:07**
